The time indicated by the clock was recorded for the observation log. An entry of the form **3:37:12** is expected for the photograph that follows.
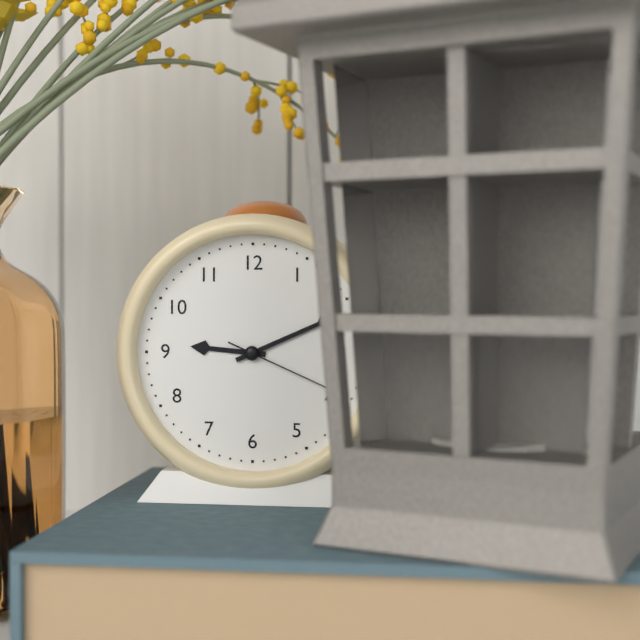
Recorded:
**9:11:19**
